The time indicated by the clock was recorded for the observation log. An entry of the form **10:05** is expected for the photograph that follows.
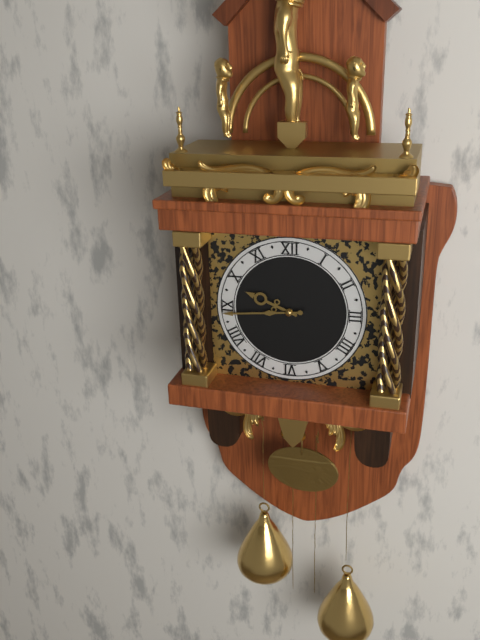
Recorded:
**9:44**
